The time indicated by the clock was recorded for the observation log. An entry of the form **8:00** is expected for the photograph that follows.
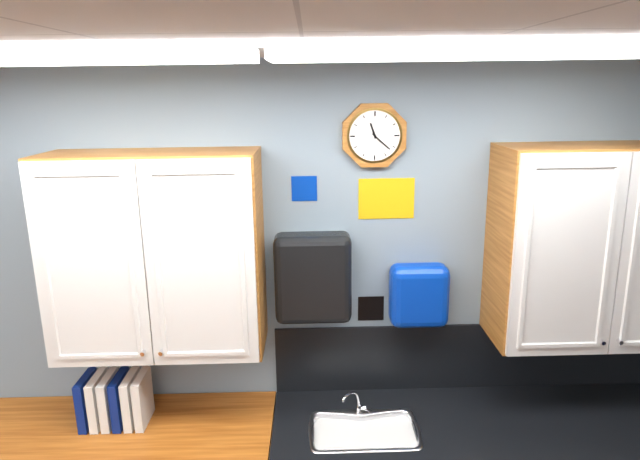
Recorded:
**11:22**
